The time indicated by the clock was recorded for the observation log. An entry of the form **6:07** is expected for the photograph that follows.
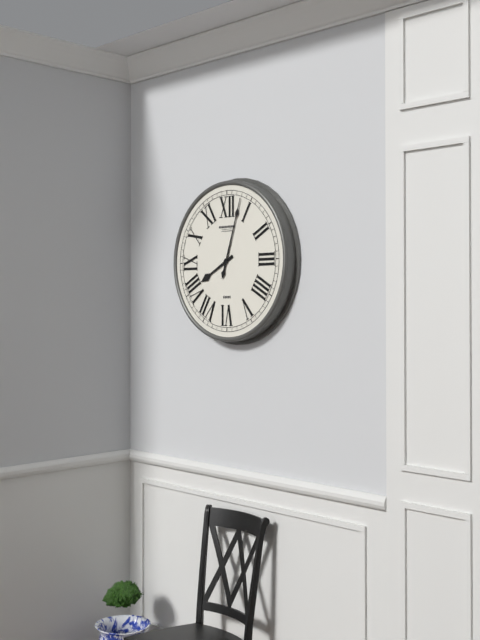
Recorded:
**8:03**
